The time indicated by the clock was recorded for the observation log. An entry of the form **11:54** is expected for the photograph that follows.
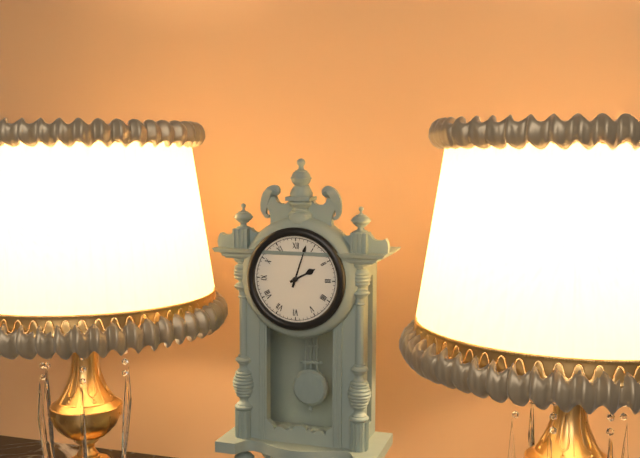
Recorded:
**2:03**
